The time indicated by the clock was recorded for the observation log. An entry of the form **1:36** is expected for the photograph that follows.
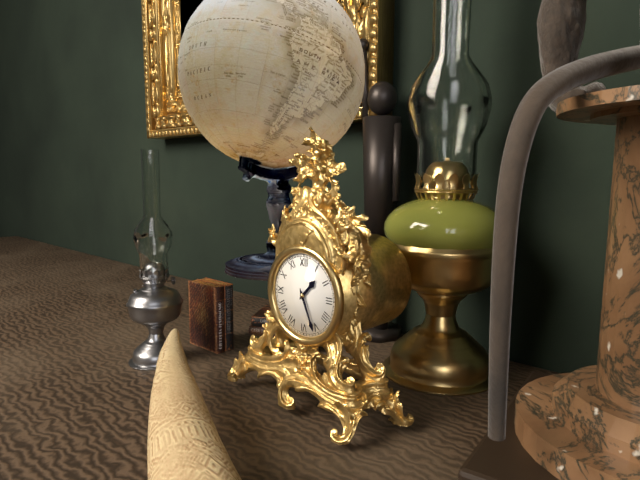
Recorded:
**1:26**
